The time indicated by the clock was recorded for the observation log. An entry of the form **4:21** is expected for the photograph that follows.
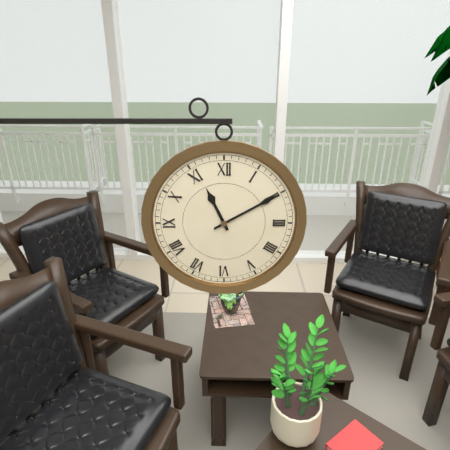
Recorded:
**11:10**
